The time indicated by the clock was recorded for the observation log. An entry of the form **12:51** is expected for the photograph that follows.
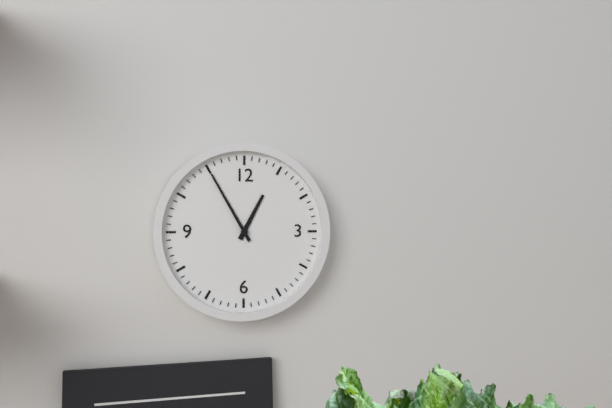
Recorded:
**12:55**
